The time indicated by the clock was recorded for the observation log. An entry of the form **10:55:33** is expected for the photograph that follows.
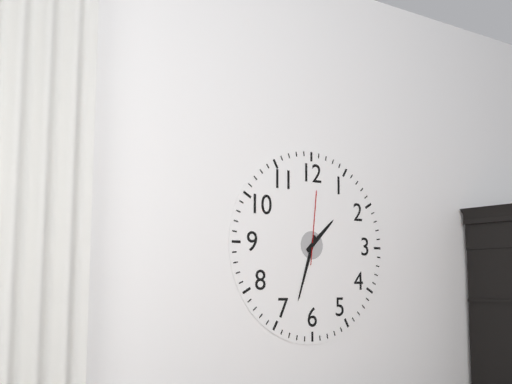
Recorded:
**1:33:01**
